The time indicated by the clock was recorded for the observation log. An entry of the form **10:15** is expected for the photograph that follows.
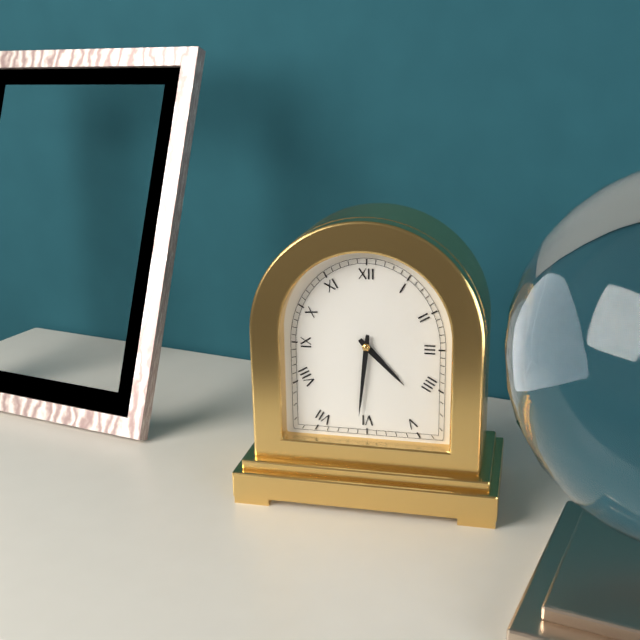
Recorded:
**4:31**
